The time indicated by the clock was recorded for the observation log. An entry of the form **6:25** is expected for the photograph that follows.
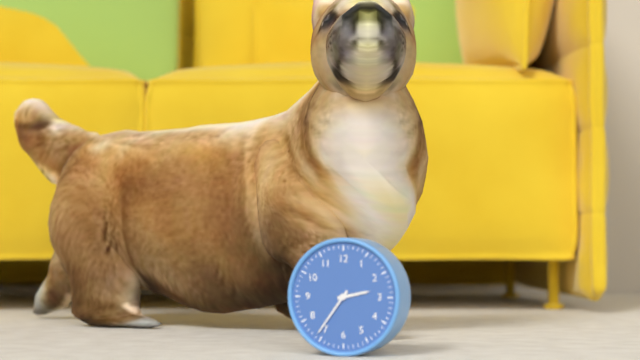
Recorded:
**2:36**
